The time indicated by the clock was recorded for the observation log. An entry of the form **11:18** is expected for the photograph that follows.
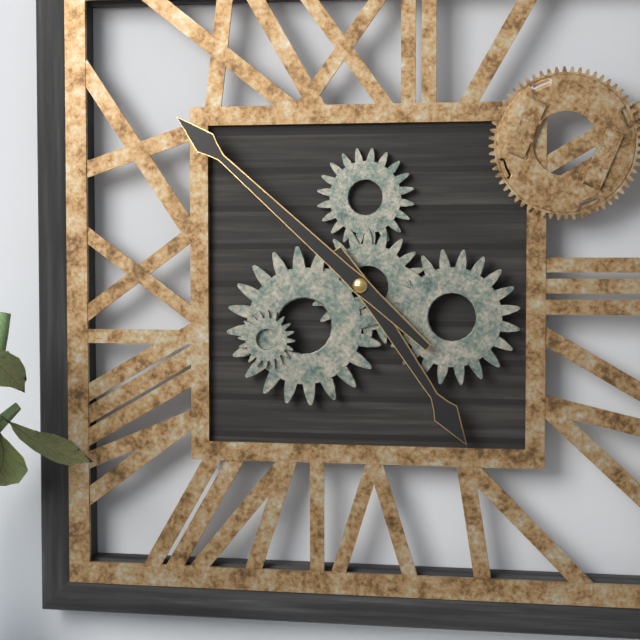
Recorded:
**4:52**
